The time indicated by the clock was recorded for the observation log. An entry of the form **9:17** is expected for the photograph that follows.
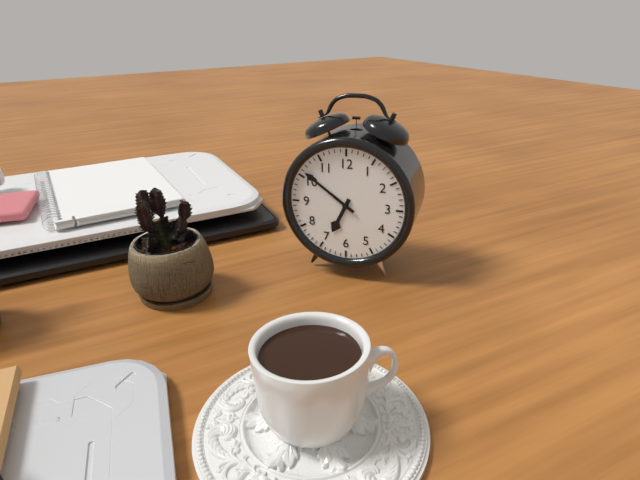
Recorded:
**6:51**
